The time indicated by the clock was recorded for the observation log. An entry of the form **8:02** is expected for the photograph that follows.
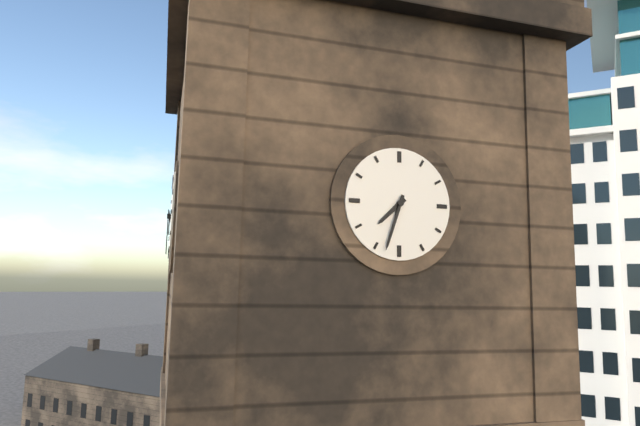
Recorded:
**7:33**
